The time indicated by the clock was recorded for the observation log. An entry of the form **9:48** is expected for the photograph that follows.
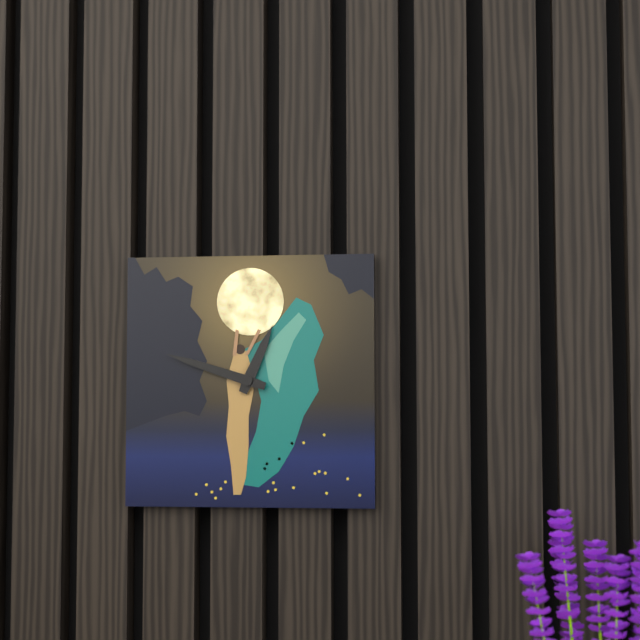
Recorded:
**12:48**
